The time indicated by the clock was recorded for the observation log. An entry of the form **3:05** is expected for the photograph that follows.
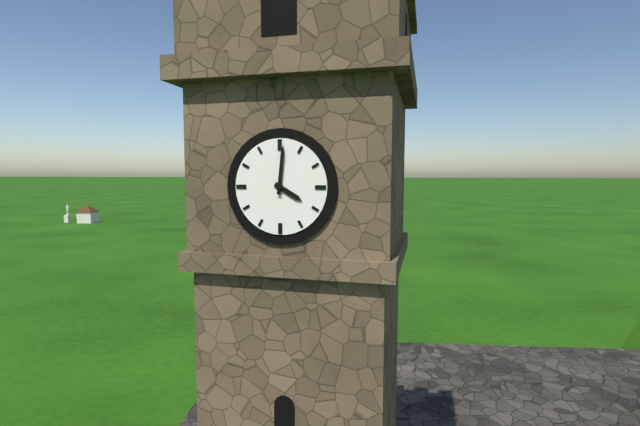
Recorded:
**4:01**
